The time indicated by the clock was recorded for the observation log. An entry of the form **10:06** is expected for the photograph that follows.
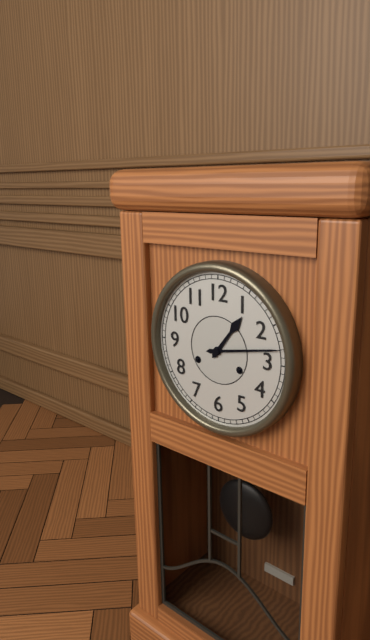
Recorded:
**1:13**
